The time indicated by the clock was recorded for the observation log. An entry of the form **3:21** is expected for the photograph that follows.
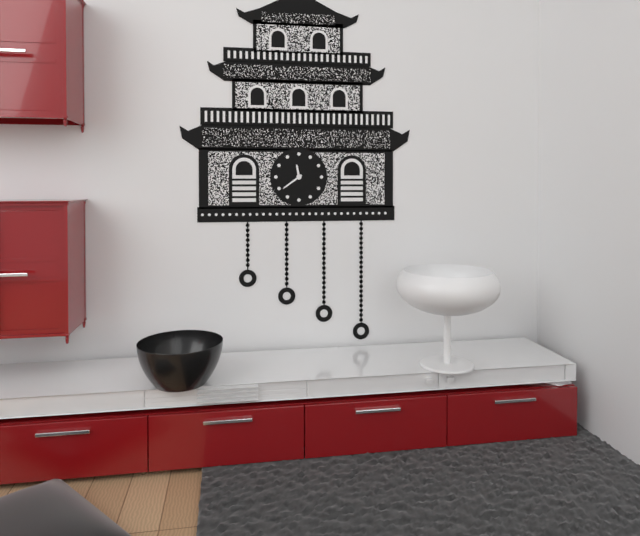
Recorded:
**11:39**
